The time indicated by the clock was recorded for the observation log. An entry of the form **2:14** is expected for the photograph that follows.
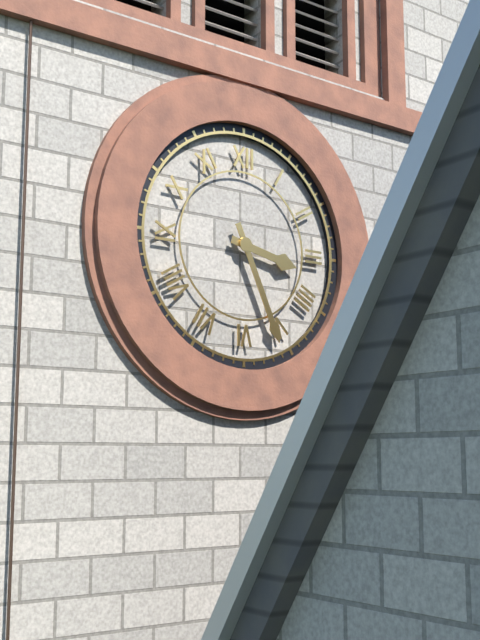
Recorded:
**3:26**
